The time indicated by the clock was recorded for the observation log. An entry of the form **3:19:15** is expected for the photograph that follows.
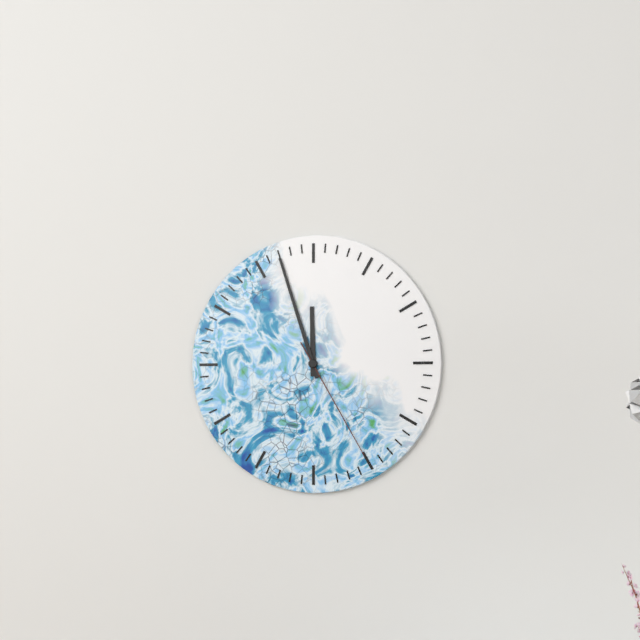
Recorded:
**11:57:25**
